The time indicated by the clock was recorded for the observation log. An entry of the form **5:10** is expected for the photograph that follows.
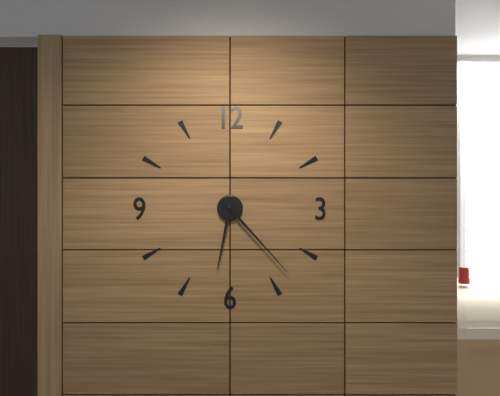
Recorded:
**6:23**
